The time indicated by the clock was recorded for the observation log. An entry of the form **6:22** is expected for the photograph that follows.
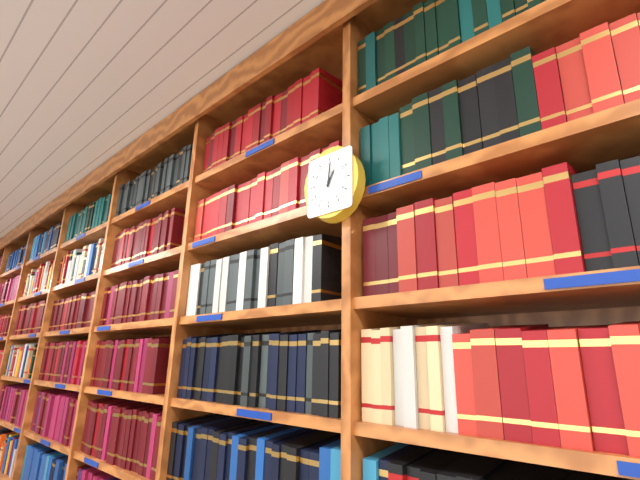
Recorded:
**1:01**
